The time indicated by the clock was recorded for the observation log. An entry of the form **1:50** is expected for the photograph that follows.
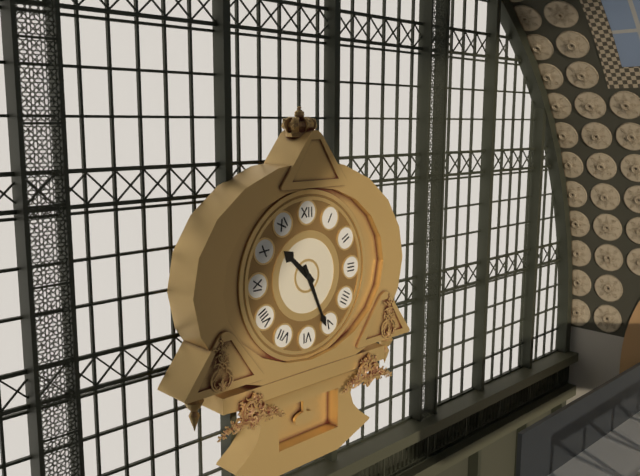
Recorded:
**10:26**
